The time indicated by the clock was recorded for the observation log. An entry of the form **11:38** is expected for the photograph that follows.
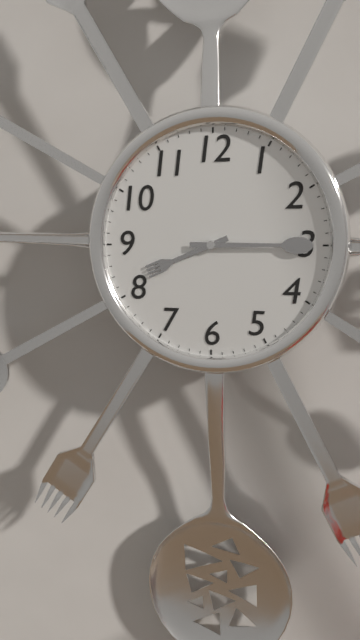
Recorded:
**8:15**
